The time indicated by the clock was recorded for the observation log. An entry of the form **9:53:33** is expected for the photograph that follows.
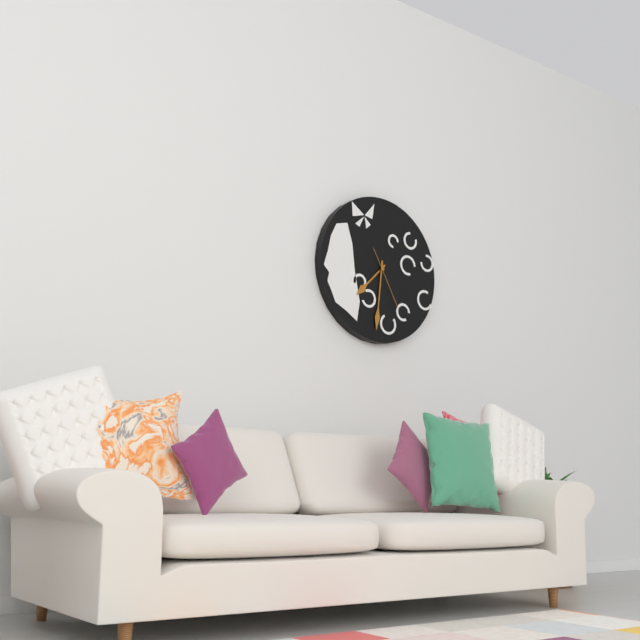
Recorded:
**7:31:25**
